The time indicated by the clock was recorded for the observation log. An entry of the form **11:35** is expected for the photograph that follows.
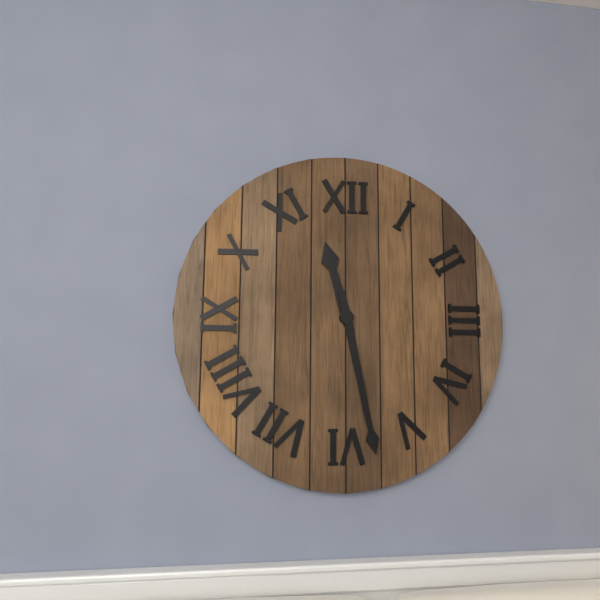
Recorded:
**11:28**
